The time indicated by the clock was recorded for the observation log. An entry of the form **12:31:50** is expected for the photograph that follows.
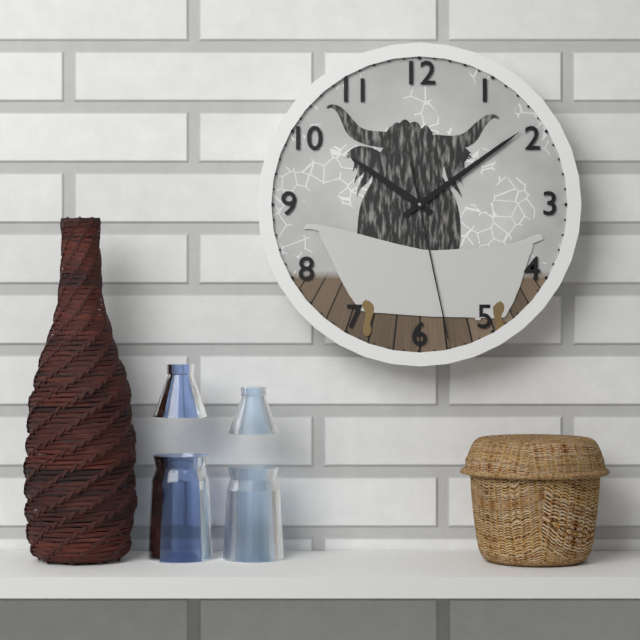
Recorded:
**10:09:28**
